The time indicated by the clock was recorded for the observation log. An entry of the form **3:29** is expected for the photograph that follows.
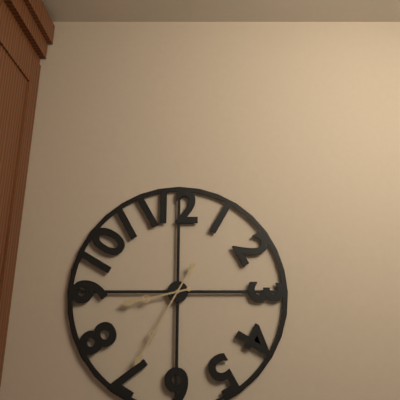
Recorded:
**8:35**
